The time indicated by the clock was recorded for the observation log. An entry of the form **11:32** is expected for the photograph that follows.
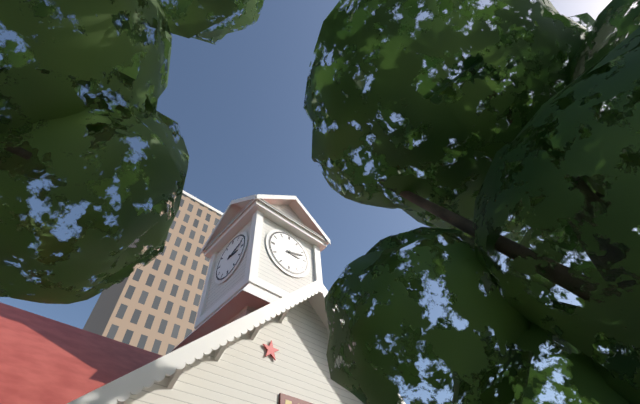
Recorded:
**3:12**
